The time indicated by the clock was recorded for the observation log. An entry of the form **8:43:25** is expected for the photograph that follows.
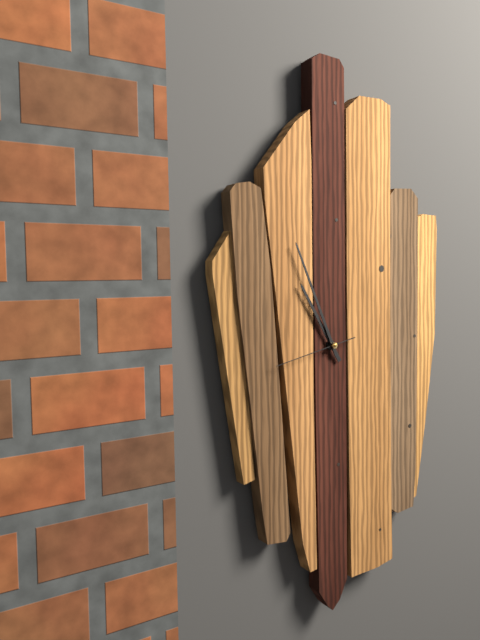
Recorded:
**10:56:43**
